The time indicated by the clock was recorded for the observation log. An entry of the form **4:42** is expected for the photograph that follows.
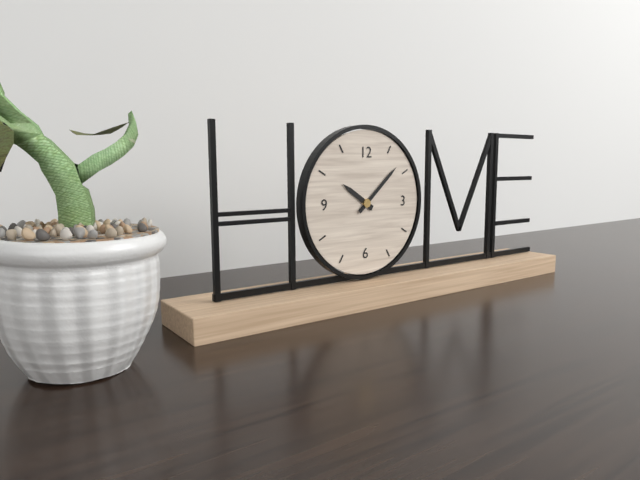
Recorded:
**10:08**
